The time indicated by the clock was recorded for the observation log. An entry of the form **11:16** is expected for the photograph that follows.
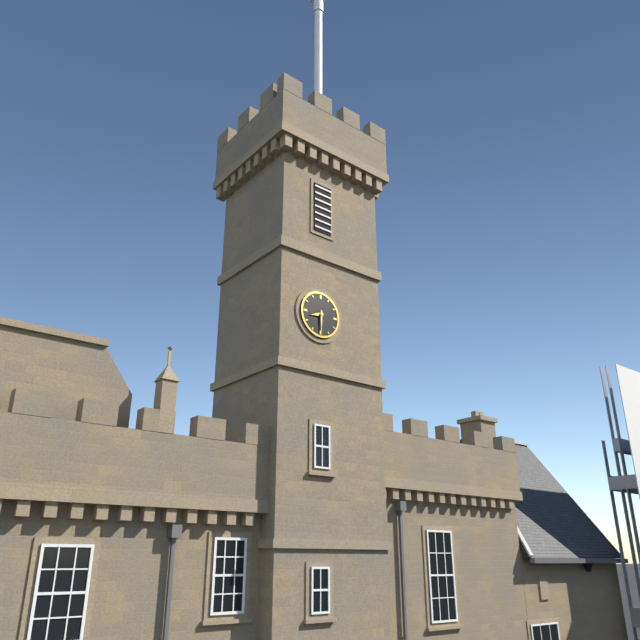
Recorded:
**8:30**
